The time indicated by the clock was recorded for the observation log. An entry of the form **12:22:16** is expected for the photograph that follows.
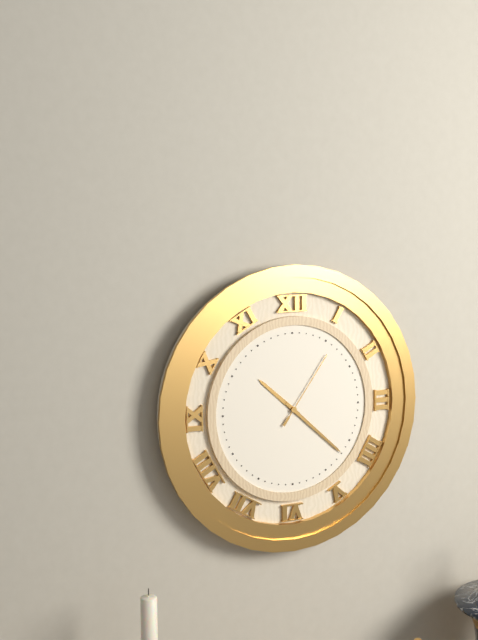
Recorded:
**10:22:06**
